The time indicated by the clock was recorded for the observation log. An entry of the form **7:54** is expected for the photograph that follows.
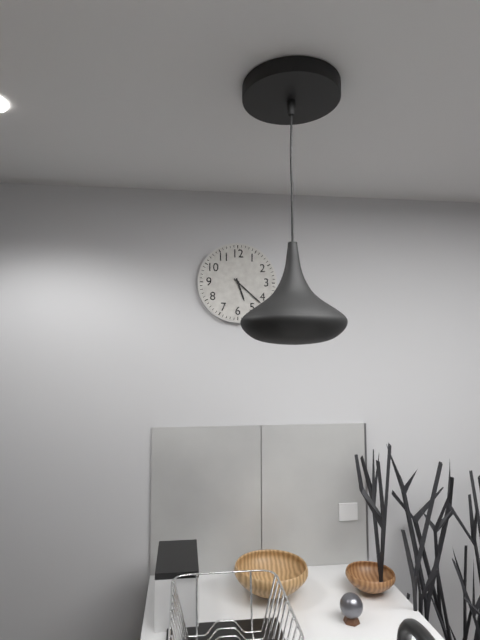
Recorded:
**5:22**
